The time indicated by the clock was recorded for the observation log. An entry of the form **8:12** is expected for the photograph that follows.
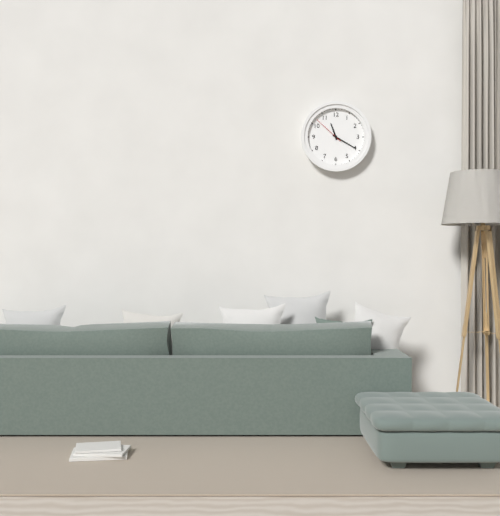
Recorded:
**11:20**
